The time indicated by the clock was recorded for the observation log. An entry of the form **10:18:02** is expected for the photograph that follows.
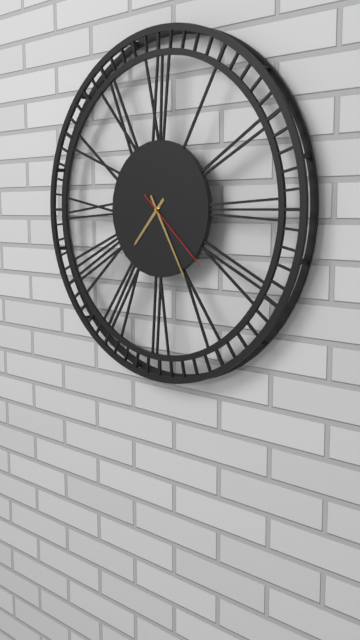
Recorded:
**7:25:22**
